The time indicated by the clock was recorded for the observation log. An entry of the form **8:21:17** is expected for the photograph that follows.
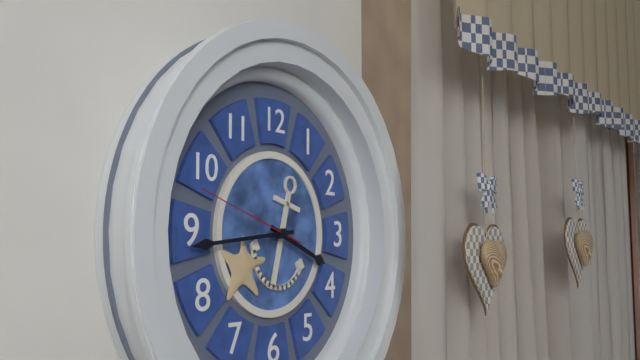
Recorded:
**3:44:48**
